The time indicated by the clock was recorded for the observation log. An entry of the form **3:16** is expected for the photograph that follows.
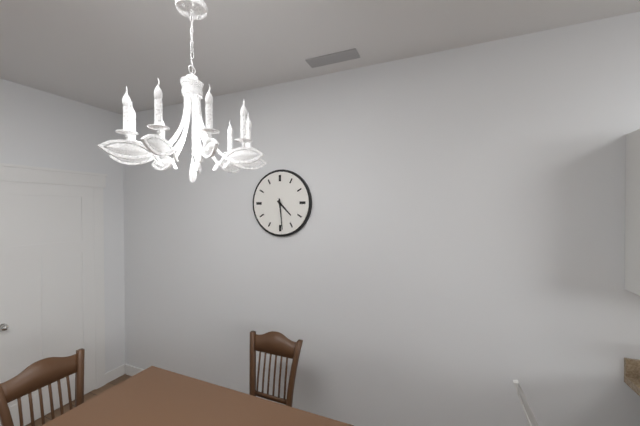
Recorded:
**4:29**
